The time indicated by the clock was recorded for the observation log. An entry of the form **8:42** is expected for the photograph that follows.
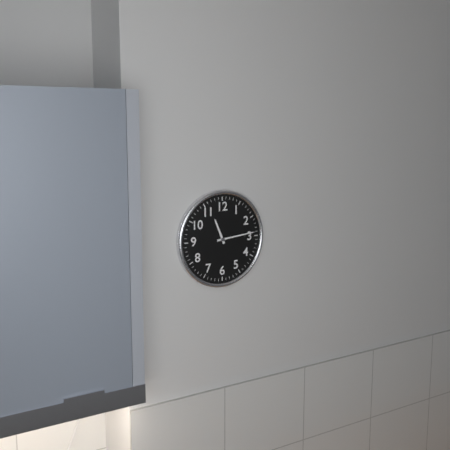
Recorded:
**11:14**
